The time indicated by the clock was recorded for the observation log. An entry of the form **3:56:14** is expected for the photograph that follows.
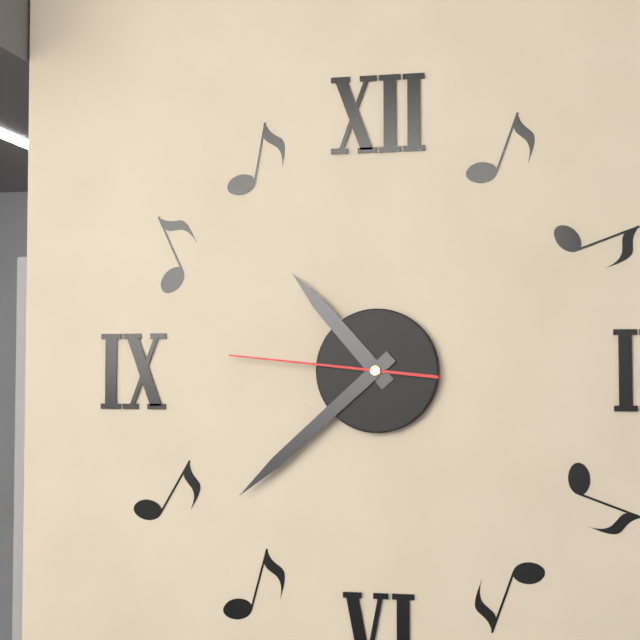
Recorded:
**10:38:46**
